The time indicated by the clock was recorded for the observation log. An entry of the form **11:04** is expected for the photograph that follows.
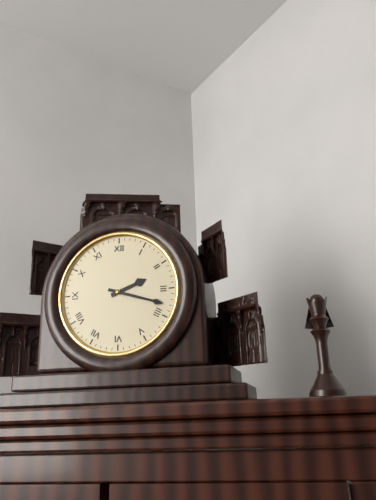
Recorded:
**2:18**
